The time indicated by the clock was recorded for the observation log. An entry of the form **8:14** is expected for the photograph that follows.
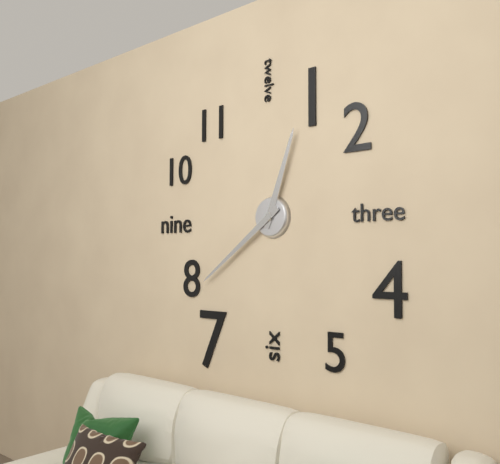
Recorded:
**12:39**
